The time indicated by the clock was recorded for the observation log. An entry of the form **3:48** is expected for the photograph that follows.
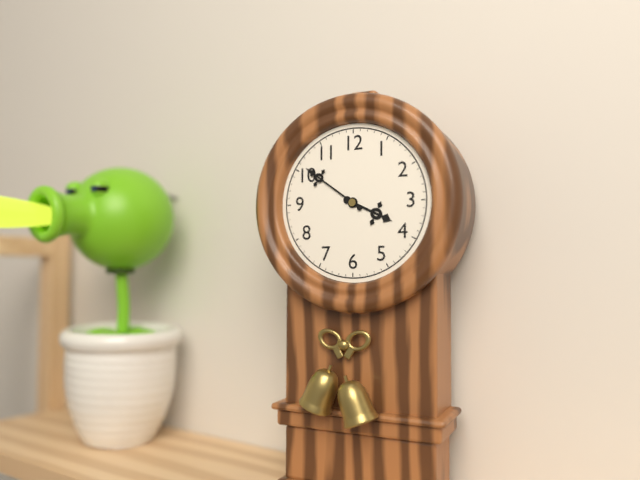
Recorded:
**3:51**
